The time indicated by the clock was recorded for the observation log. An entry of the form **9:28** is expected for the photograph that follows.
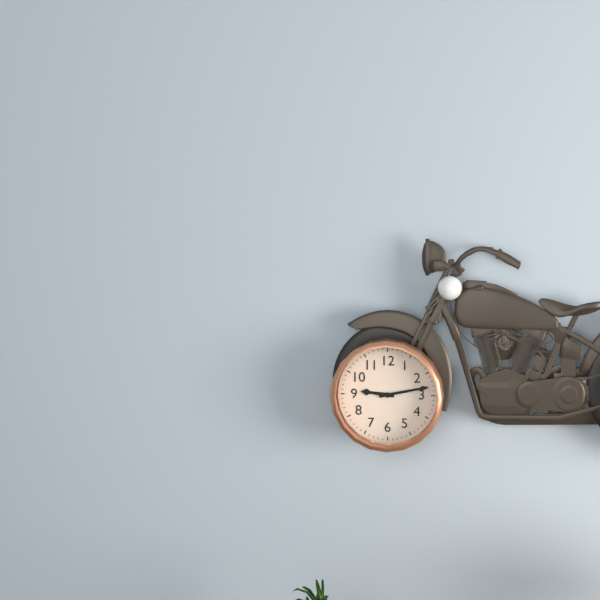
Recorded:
**9:13**
